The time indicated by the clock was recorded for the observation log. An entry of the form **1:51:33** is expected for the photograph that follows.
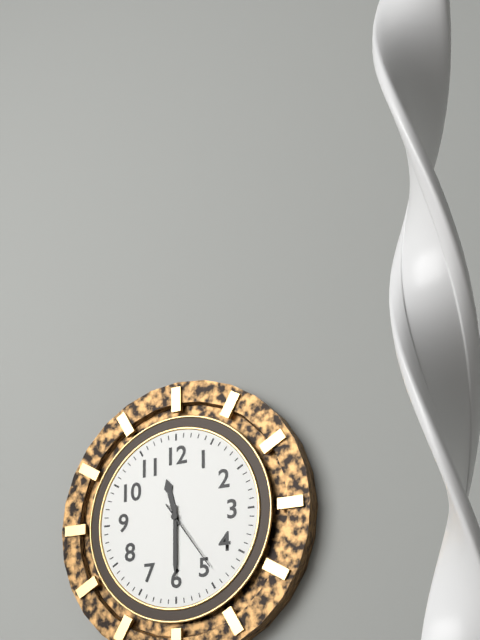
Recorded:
**11:30:24**
